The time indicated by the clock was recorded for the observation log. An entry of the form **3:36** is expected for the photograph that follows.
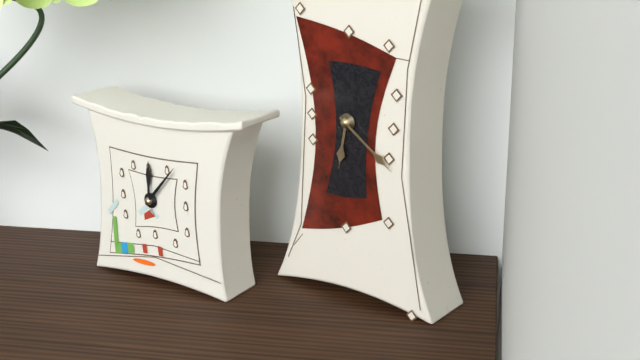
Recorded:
**6:21**
